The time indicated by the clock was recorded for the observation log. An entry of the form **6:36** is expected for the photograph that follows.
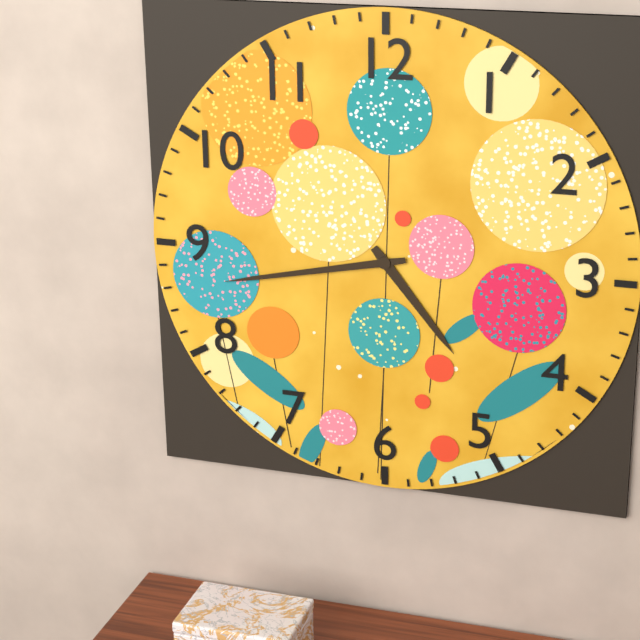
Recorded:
**4:43**
